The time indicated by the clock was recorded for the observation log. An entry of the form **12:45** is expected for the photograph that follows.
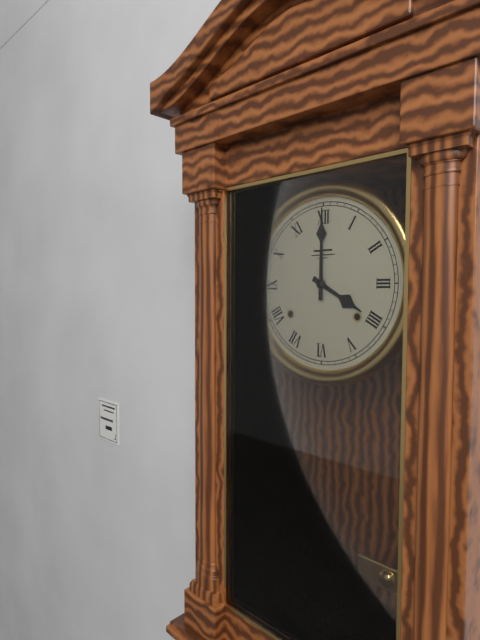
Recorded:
**4:00**
